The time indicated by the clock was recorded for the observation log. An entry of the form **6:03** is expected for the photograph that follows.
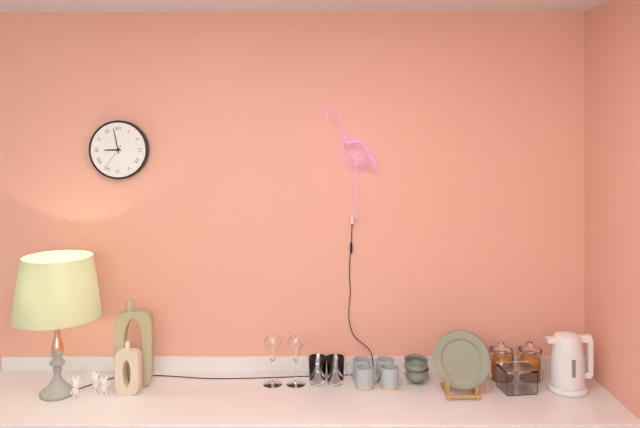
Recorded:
**8:58**
